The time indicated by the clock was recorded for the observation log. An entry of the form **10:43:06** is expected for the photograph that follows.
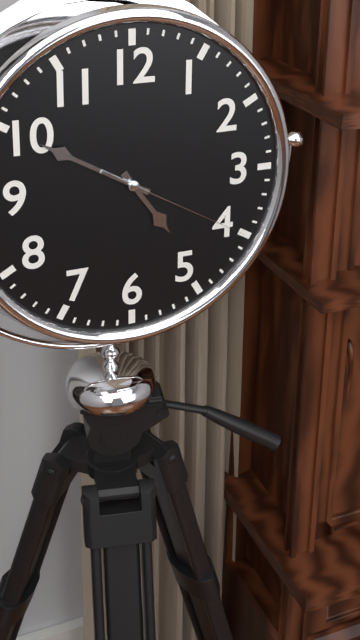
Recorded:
**4:50:20**
